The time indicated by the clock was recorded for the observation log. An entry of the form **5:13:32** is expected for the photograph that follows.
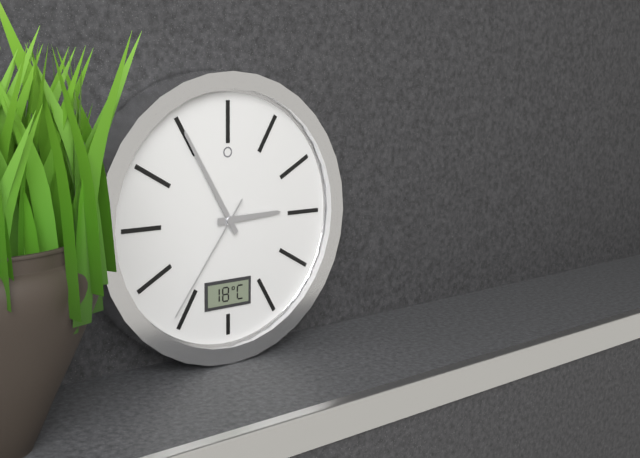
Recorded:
**2:55:36**
